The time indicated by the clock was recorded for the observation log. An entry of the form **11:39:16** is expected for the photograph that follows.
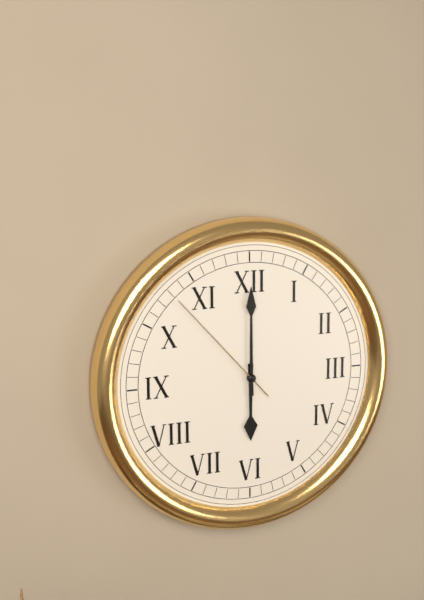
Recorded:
**6:00:53**
